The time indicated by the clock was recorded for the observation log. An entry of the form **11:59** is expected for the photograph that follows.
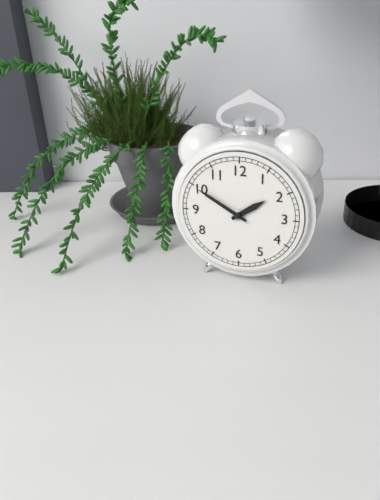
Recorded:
**1:50**
